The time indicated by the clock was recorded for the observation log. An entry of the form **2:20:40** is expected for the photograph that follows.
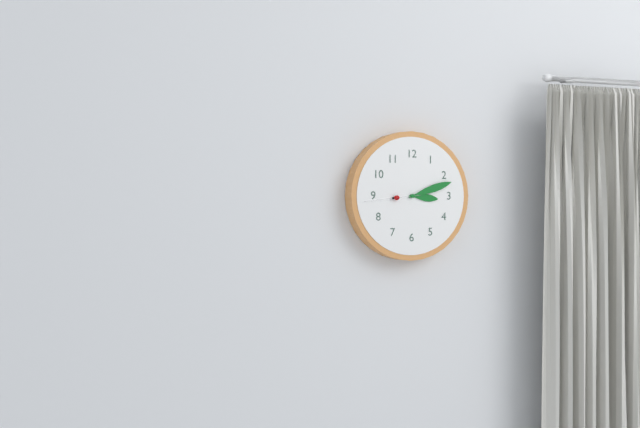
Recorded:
**3:12:44**
